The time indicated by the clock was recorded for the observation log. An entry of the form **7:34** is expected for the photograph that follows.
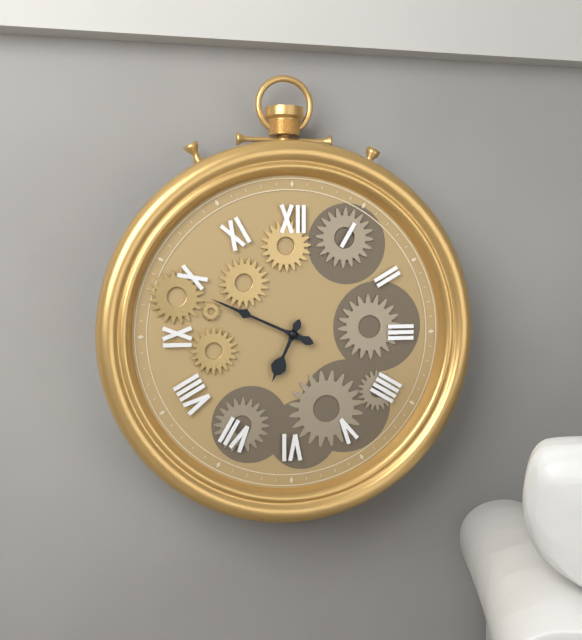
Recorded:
**6:49**
